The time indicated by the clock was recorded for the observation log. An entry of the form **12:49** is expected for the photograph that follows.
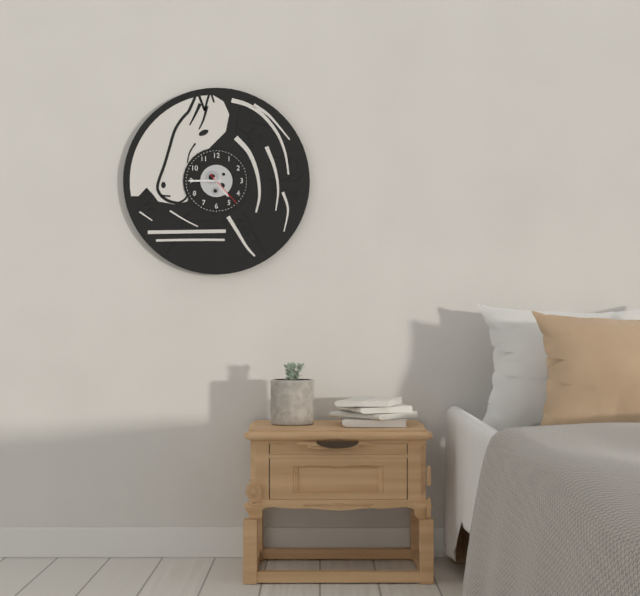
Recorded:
**4:45**
